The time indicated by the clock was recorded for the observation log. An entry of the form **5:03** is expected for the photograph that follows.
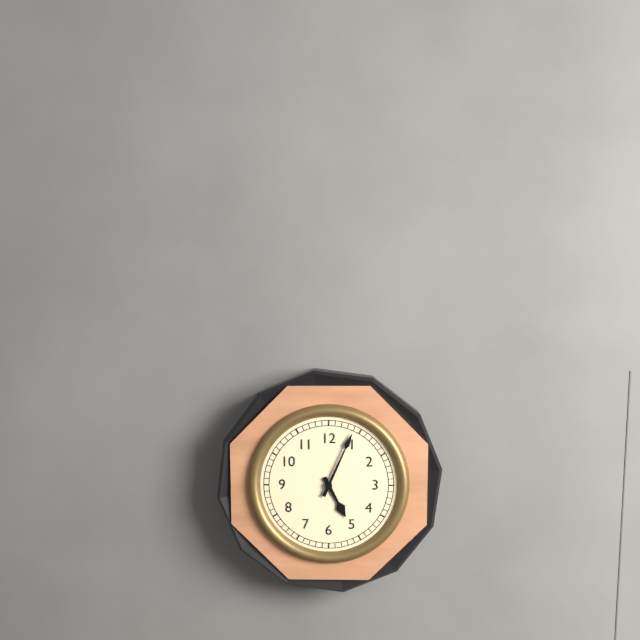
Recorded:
**5:04**
